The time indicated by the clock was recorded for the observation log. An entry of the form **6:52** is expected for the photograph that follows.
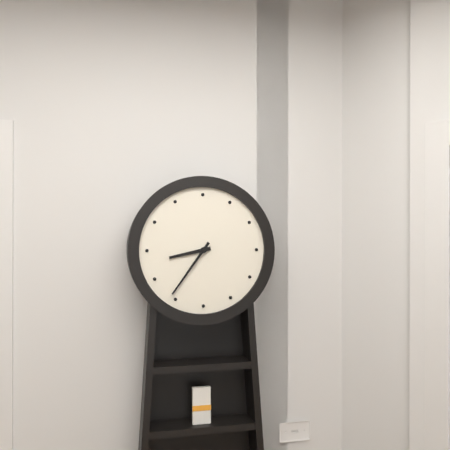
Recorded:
**8:36**
